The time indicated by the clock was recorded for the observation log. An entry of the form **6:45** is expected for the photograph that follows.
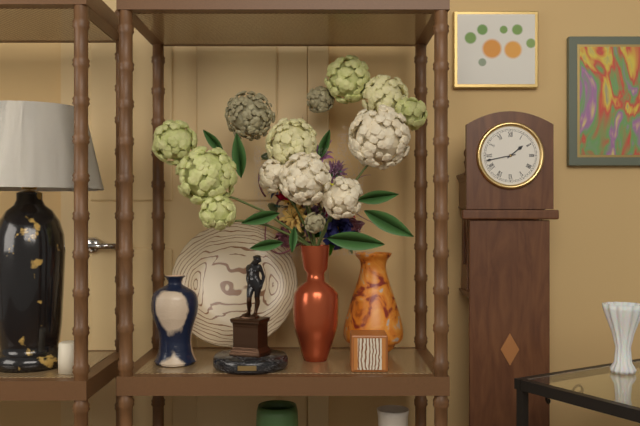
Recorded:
**1:43**
